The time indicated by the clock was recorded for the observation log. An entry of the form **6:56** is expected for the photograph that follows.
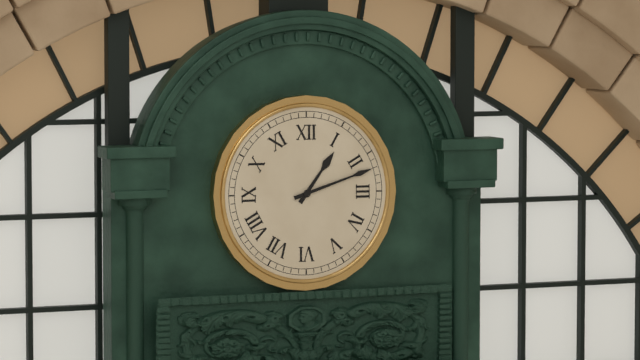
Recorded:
**1:12**
